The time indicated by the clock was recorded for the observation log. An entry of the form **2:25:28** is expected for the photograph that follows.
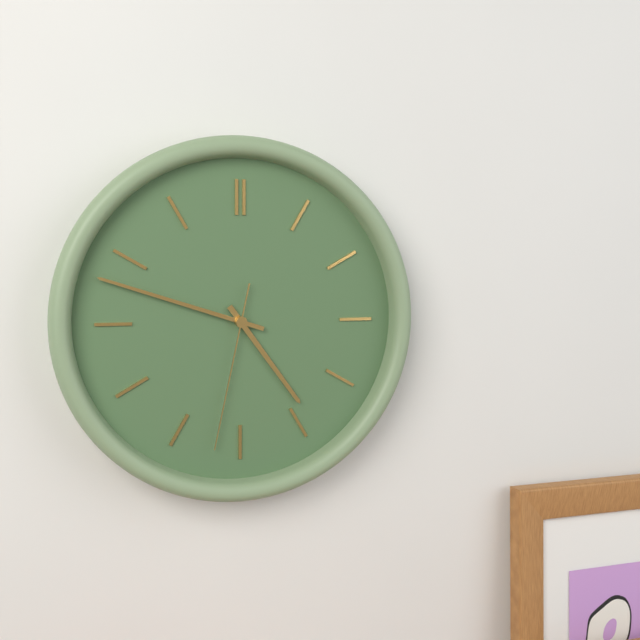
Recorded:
**4:48:32**
